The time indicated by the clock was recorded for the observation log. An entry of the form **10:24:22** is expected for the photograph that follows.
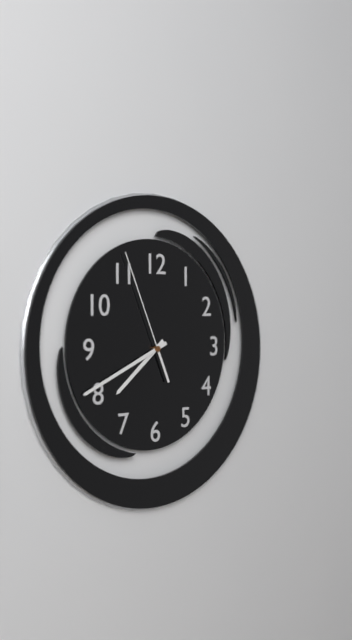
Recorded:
**7:41:56**
